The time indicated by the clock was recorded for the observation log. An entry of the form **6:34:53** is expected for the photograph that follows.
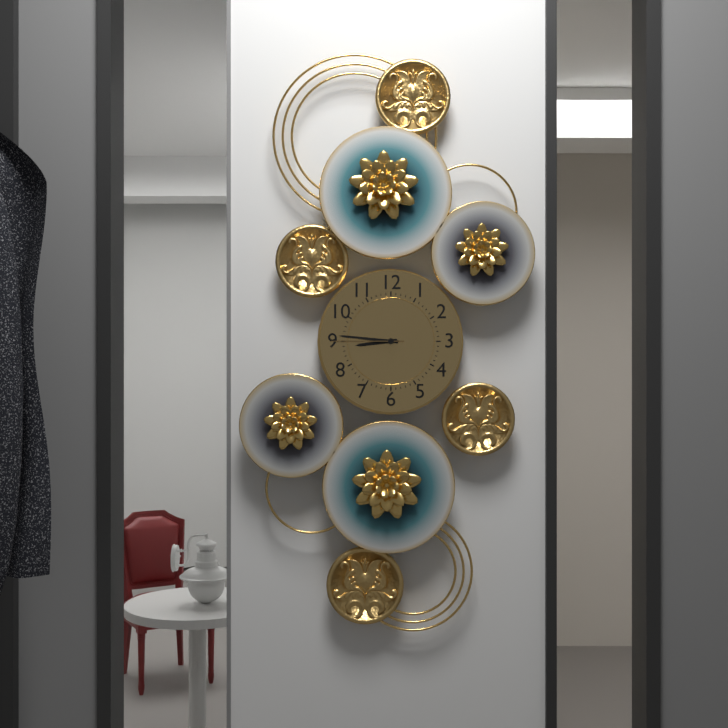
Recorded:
**8:46:45**
